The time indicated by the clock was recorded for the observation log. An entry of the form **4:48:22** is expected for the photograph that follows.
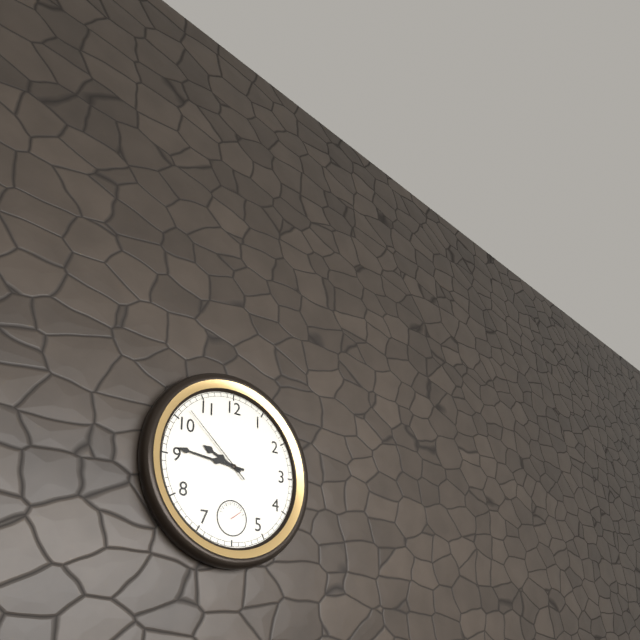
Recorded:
**9:46:52**
